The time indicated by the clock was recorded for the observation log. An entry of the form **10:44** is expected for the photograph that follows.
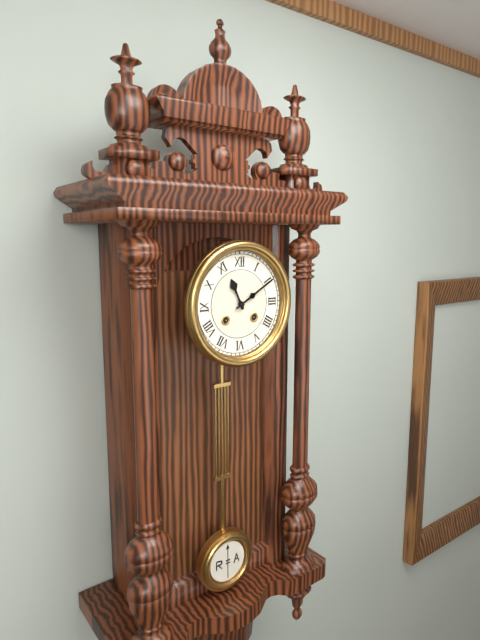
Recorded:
**11:10**
